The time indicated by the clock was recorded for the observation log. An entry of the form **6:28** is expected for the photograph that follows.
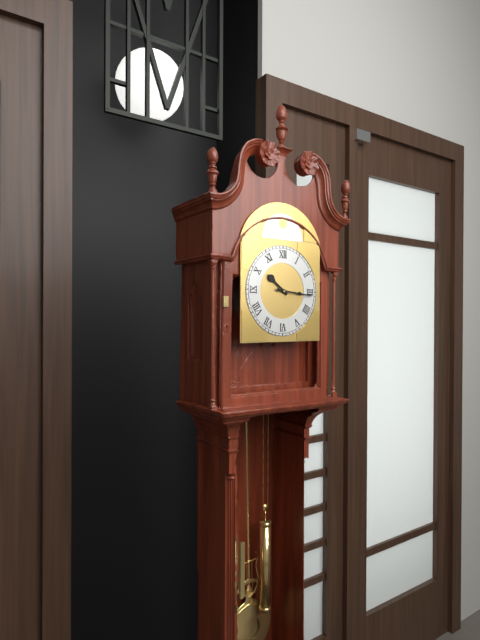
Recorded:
**10:16**
